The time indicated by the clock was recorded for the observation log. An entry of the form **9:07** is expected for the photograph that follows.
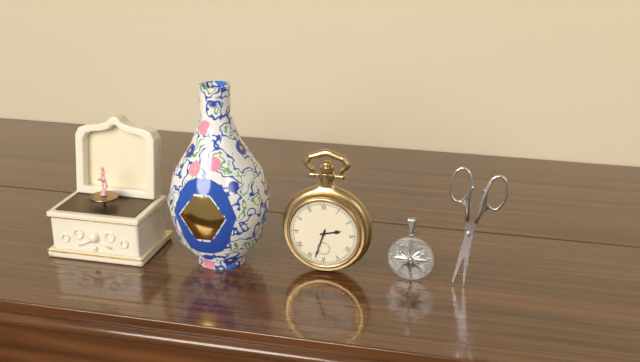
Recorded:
**2:33**
